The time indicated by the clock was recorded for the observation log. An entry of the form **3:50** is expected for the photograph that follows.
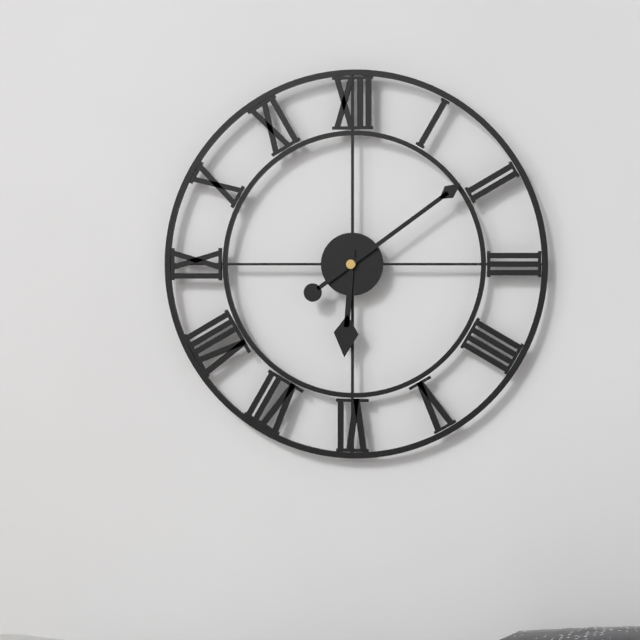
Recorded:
**6:09**
